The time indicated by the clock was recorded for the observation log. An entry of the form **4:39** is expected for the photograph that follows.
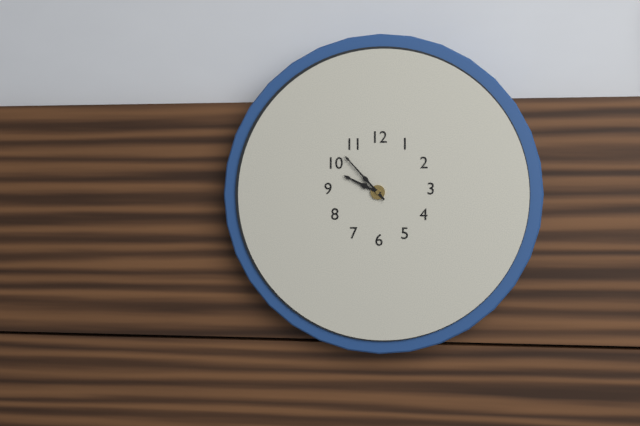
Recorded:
**9:53**
